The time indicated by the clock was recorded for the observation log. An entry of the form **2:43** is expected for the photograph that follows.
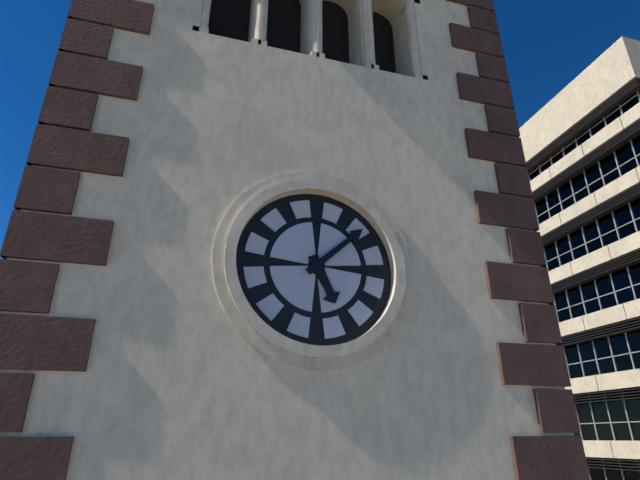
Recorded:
**5:08**
